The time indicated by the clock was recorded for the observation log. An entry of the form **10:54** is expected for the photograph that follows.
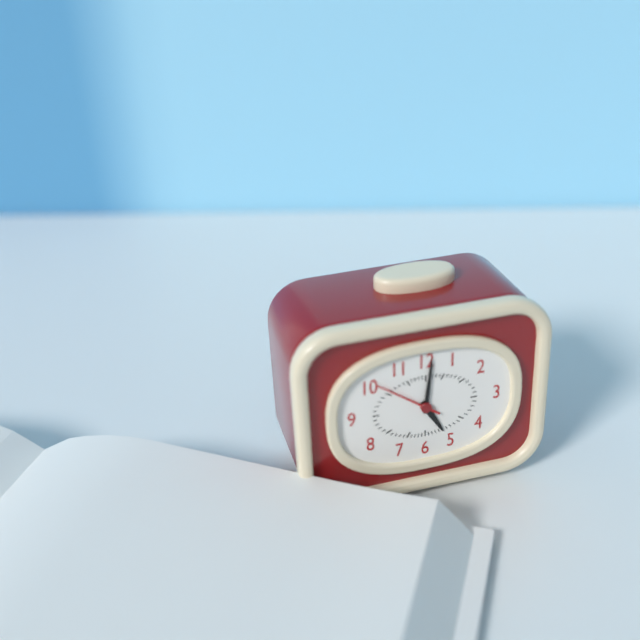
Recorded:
**5:01**
